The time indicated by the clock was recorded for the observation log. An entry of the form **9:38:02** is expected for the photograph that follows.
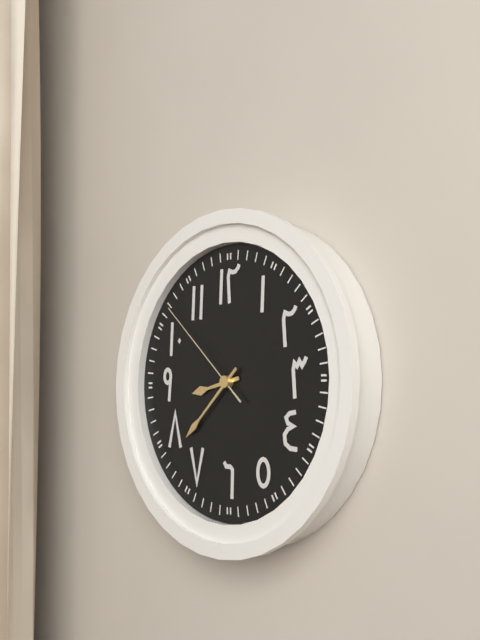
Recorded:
**8:38:52**
